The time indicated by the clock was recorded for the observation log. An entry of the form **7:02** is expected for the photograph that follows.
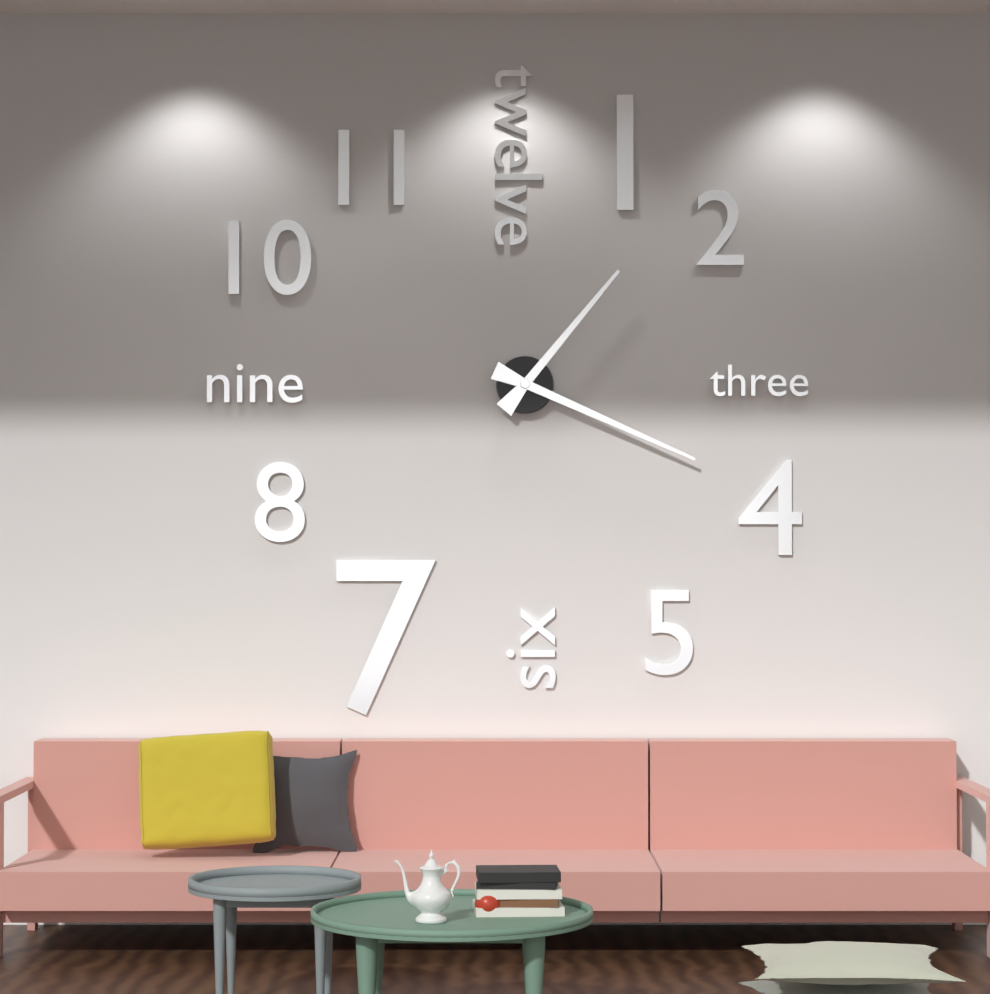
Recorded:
**1:19**
